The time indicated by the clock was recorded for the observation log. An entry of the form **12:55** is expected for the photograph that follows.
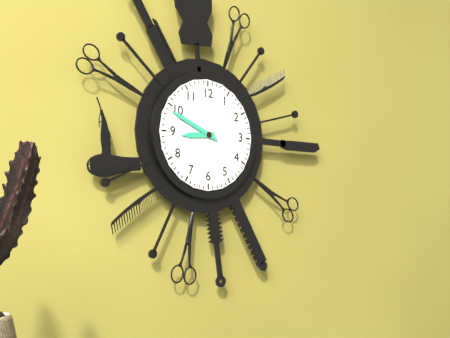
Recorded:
**8:49**
